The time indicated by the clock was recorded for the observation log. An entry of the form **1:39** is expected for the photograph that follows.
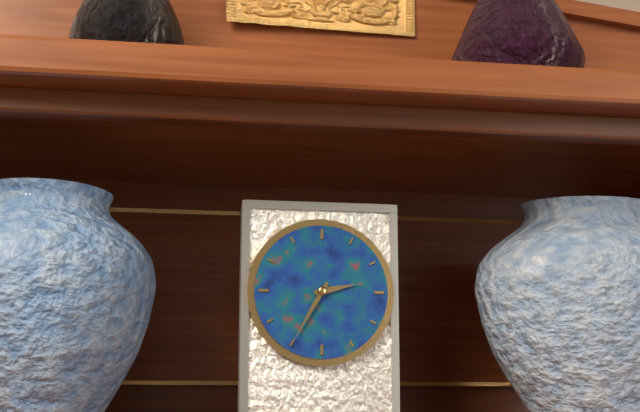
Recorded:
**2:35**
